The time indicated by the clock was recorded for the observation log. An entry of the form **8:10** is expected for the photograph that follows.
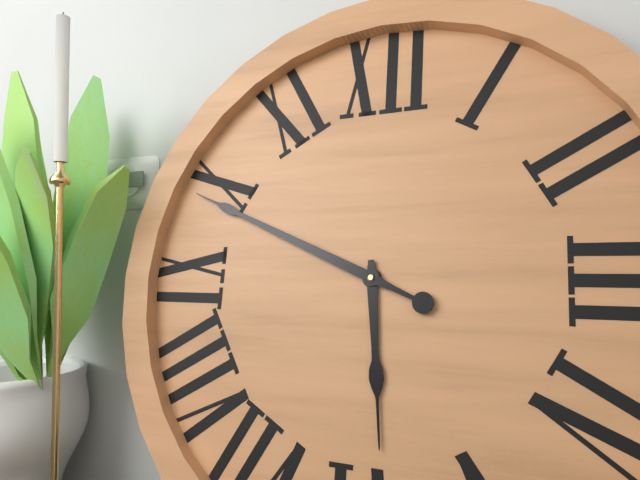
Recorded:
**5:49**
